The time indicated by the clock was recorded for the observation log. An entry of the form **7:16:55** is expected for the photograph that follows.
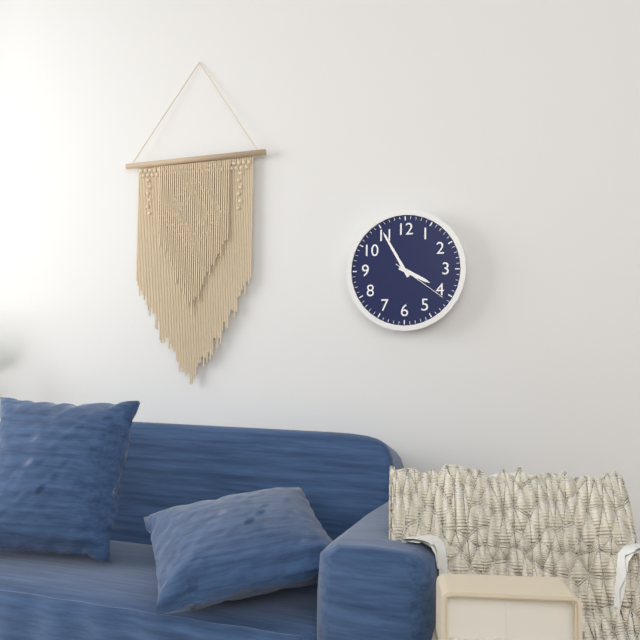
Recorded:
**3:55:21**
